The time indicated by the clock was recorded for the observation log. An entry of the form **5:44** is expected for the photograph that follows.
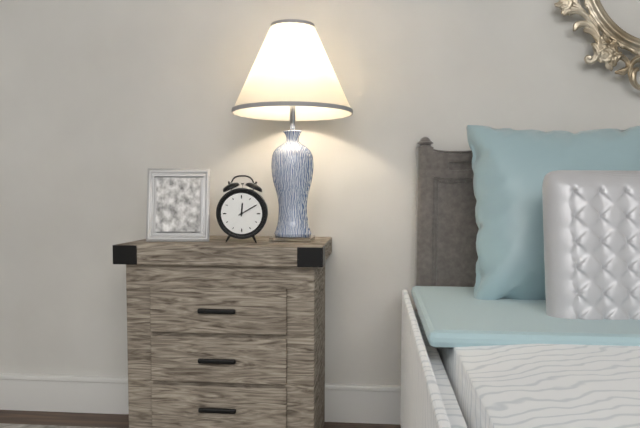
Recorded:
**12:10**
